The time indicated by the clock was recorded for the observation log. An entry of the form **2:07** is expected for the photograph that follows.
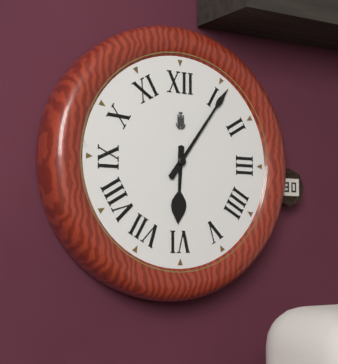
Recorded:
**6:06**
